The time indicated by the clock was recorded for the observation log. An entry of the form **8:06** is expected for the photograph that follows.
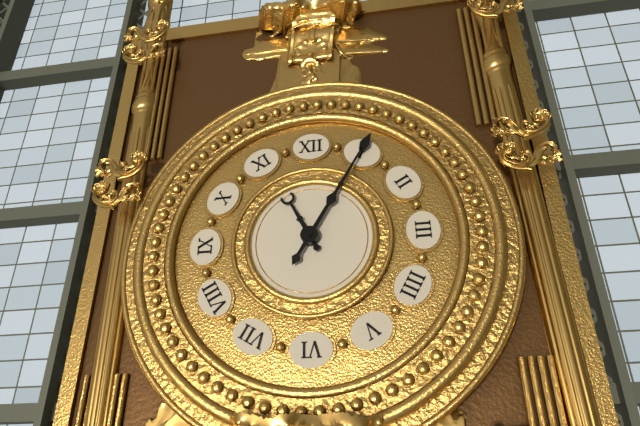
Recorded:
**11:05**
